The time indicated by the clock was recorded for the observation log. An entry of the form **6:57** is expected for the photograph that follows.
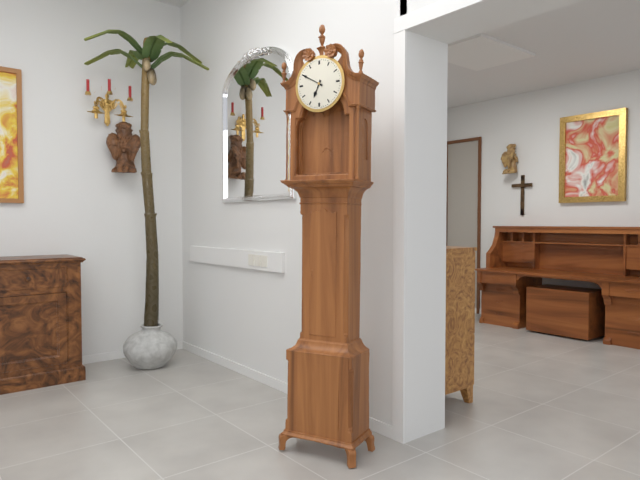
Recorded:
**6:50**
